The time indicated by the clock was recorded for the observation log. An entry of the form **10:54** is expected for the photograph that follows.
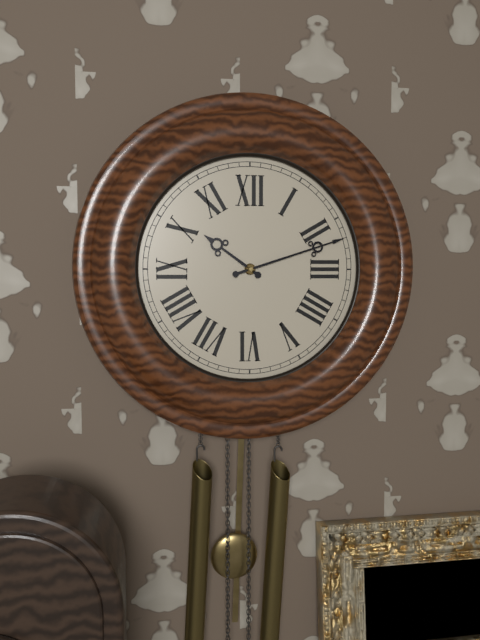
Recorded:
**10:12**
